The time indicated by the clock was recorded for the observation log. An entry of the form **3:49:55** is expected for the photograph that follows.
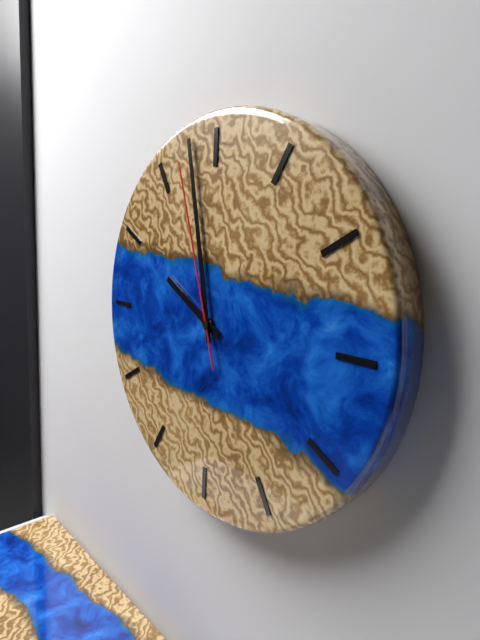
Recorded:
**9:58:57**
